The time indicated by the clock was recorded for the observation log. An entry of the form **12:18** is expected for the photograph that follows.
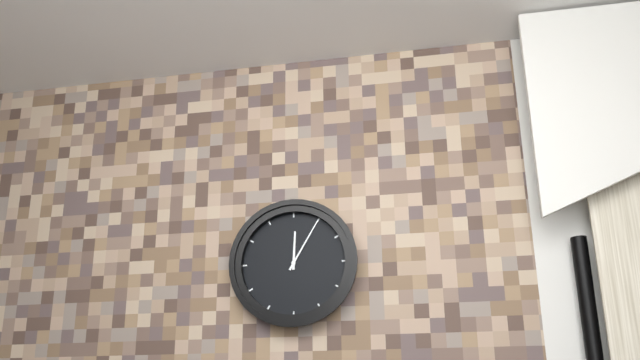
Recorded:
**12:05**
